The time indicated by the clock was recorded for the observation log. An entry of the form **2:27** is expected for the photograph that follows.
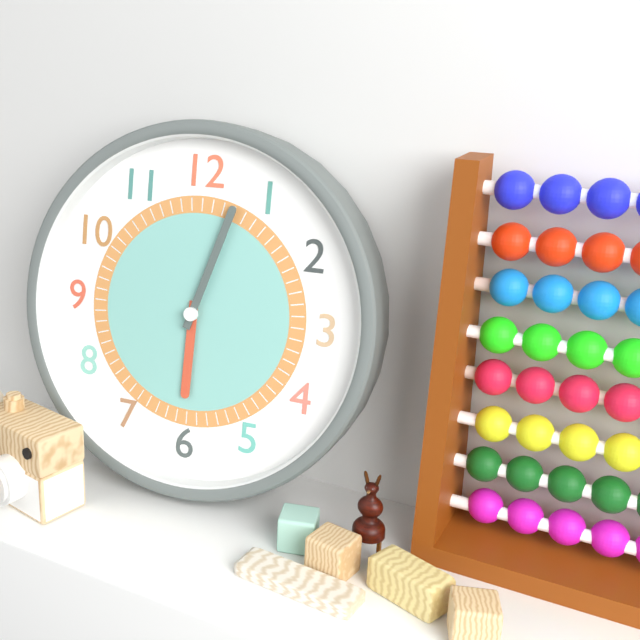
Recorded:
**6:03**
